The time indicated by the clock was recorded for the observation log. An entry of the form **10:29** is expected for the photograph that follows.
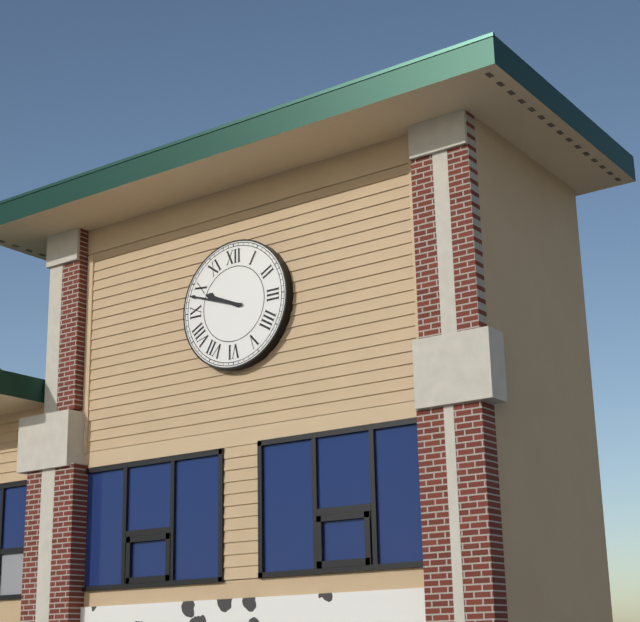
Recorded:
**9:48**
